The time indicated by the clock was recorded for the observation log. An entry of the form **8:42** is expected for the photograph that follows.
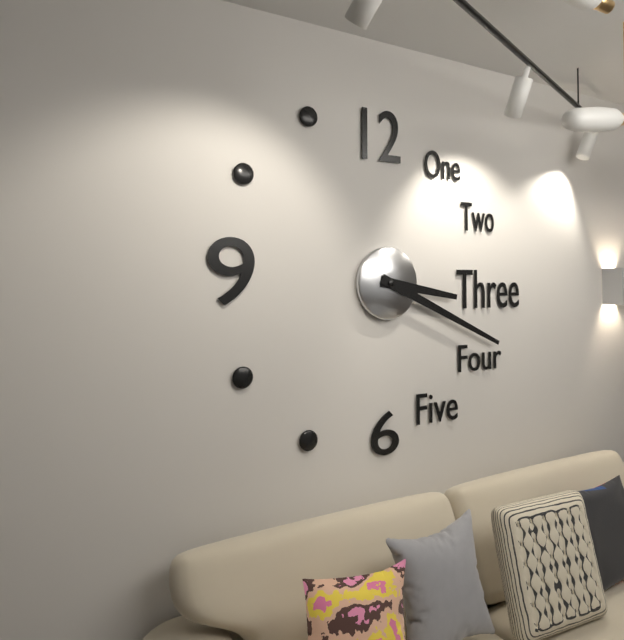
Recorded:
**3:19**
